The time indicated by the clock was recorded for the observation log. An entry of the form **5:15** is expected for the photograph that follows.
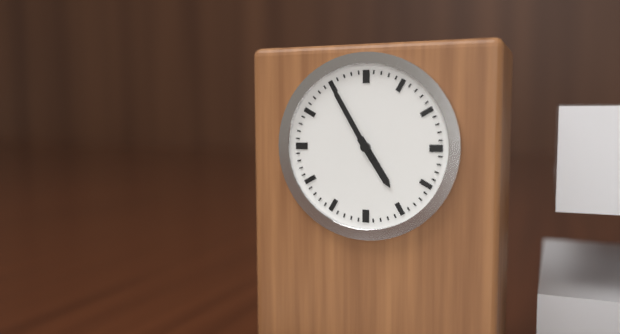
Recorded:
**4:55**
